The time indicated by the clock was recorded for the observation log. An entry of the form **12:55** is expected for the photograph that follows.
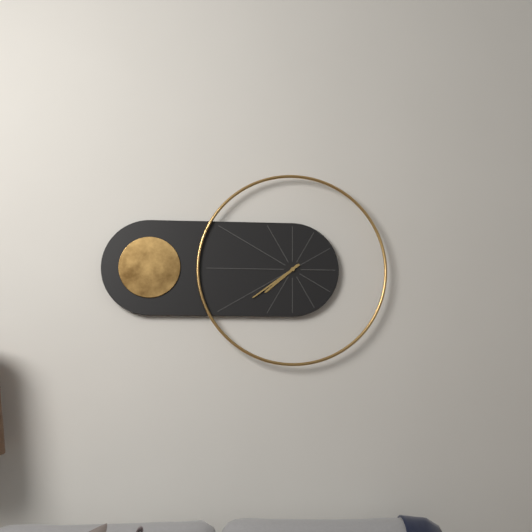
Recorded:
**7:39**
